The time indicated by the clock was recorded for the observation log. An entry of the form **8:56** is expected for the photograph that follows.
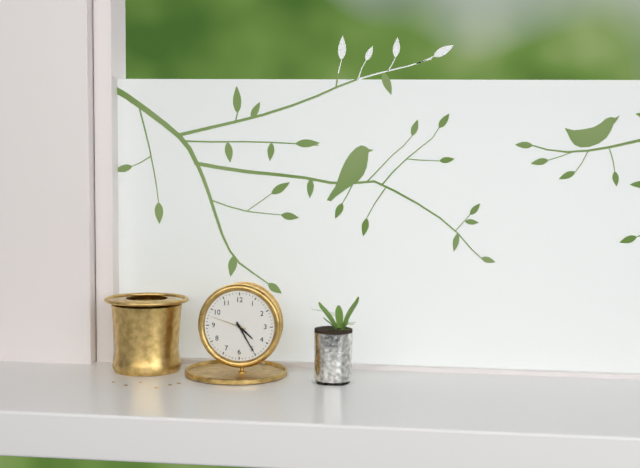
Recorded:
**4:25**
